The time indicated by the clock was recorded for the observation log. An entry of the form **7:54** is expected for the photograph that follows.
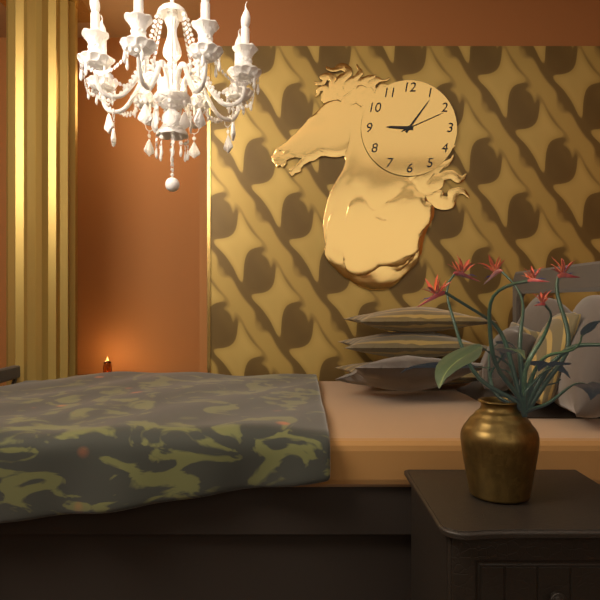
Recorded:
**9:06**
